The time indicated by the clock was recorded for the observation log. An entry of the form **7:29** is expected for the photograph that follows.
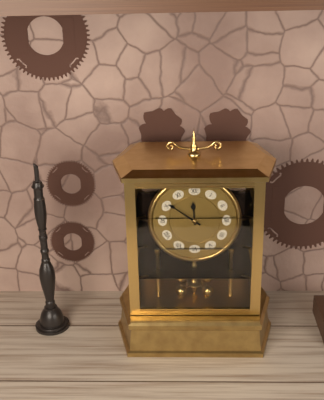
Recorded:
**11:51**
